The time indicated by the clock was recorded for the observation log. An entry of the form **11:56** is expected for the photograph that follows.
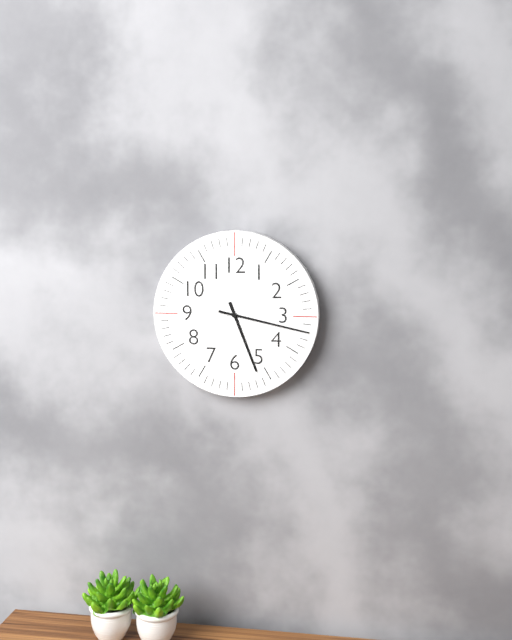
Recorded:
**5:17**
